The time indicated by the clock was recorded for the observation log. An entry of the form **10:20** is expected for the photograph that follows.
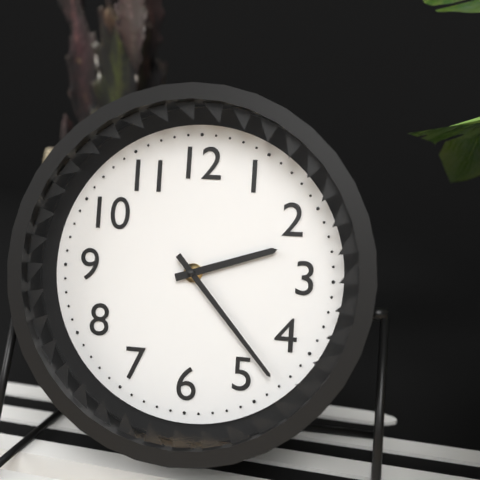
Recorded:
**2:23**
